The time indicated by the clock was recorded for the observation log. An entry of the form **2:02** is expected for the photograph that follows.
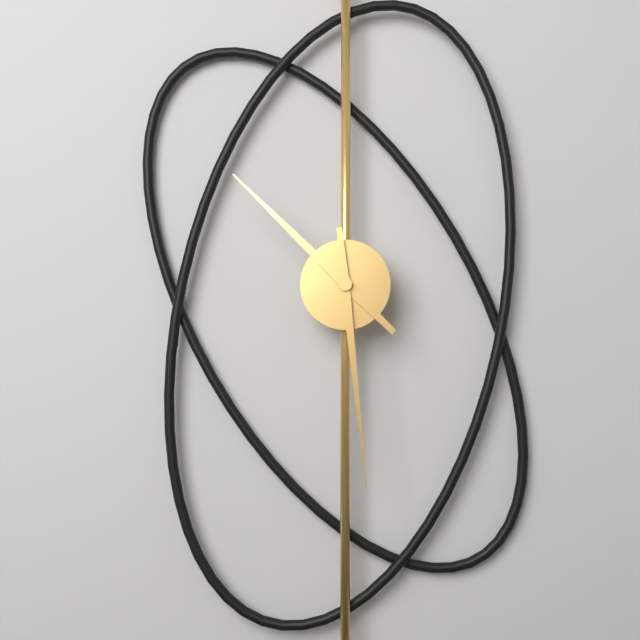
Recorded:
**10:29**
